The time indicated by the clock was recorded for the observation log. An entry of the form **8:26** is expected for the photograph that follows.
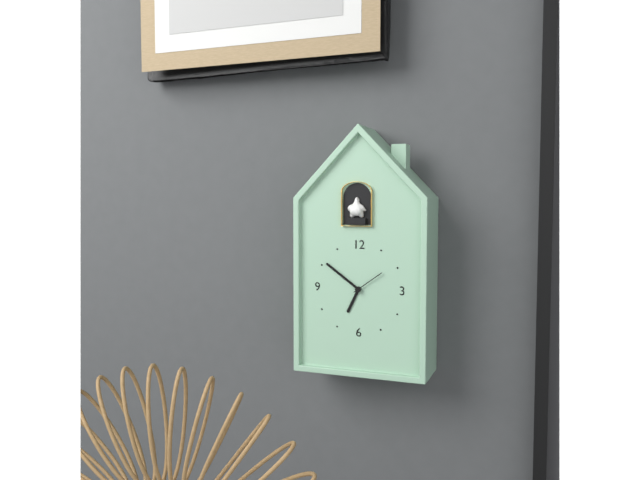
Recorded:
**6:51**
